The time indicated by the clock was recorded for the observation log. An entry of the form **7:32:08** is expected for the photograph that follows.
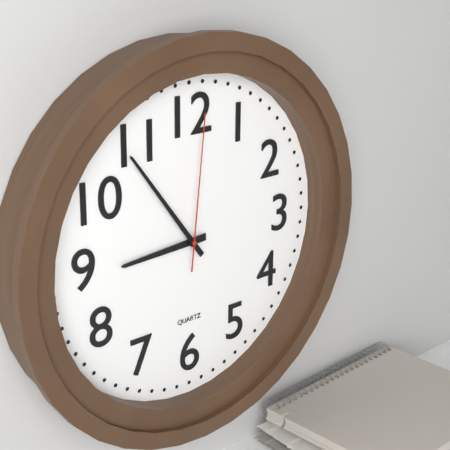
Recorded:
**8:54:01**
